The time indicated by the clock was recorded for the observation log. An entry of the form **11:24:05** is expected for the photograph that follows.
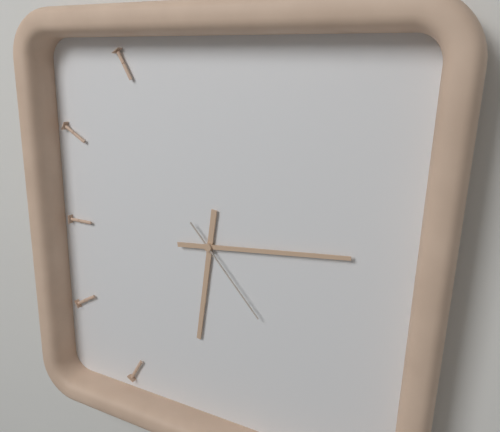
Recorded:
**6:14:23**
